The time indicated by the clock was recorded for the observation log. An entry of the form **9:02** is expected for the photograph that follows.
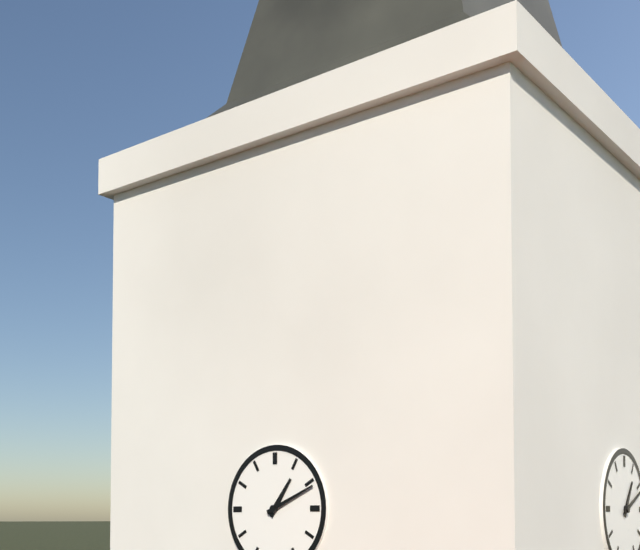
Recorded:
**1:11**
